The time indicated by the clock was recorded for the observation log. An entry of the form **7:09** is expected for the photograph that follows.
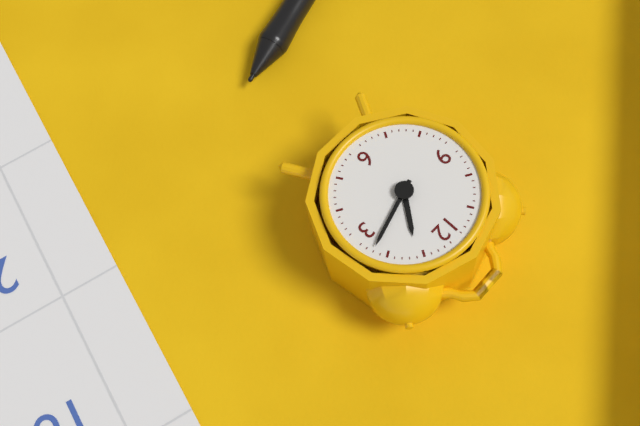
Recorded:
**1:12**
